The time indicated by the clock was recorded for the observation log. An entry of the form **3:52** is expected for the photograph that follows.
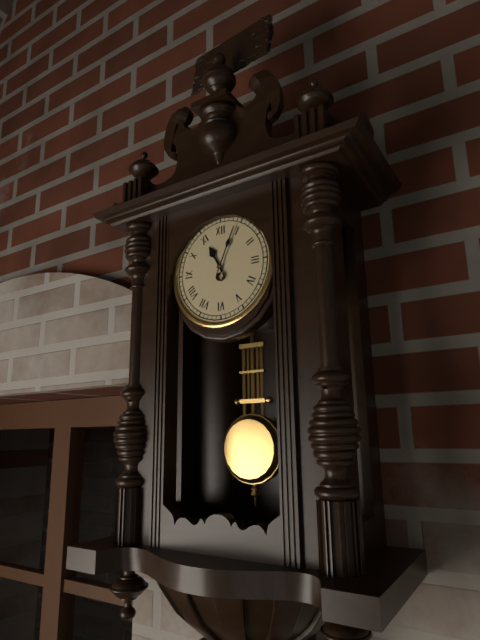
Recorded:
**11:04**
